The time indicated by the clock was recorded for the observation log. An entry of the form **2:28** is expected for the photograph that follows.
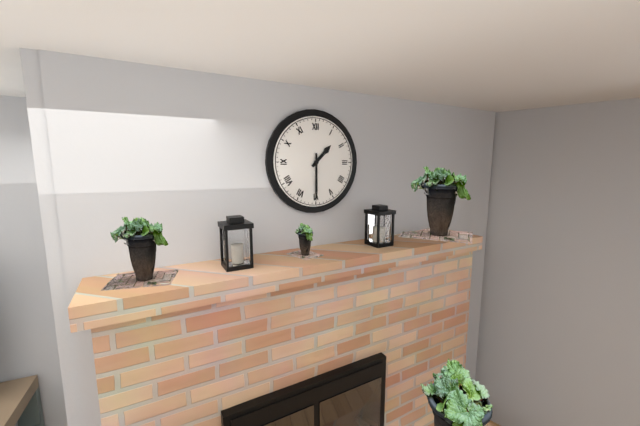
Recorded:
**1:30**
